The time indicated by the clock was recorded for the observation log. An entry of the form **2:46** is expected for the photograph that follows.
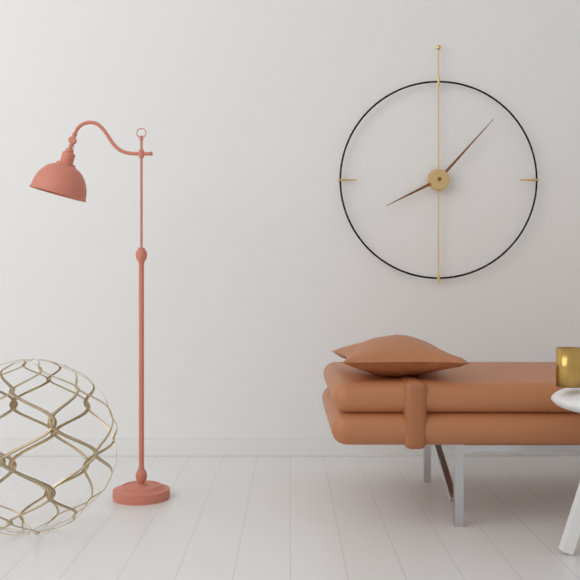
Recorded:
**8:07**
